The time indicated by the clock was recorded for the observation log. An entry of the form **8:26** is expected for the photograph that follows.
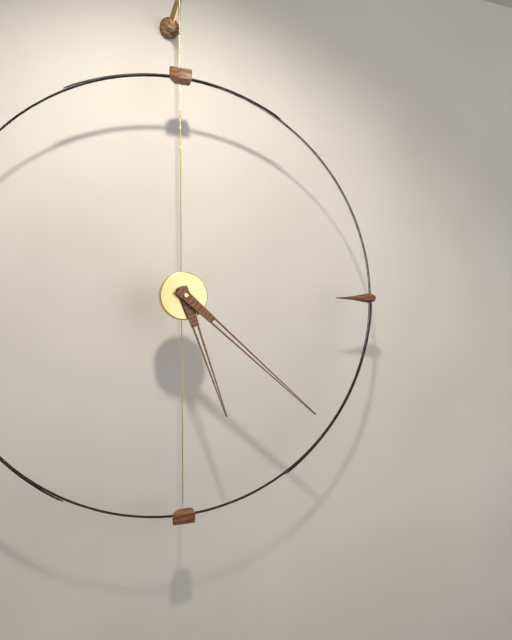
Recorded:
**5:22**
